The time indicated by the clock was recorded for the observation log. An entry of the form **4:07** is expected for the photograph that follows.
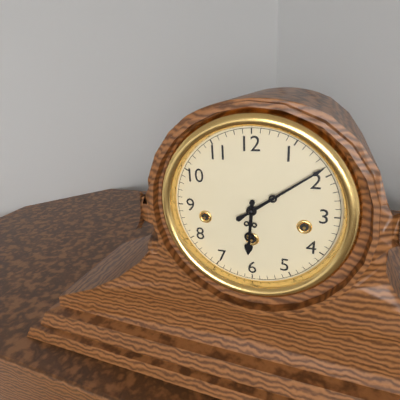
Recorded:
**6:09**
